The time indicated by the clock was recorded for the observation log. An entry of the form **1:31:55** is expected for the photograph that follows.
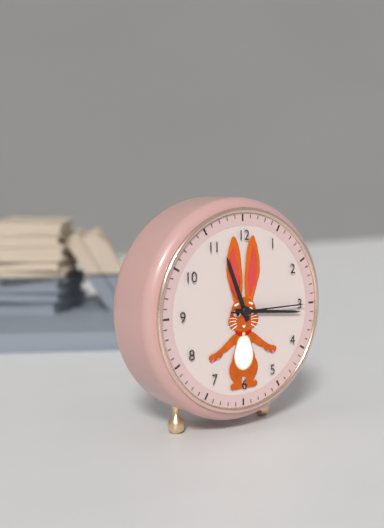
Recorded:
**11:16:15**
